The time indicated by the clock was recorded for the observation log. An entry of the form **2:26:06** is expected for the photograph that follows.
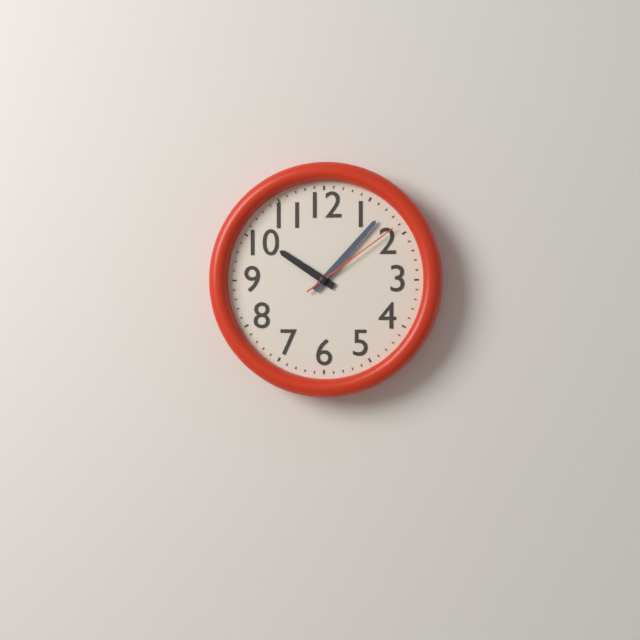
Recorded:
**10:07:09**
